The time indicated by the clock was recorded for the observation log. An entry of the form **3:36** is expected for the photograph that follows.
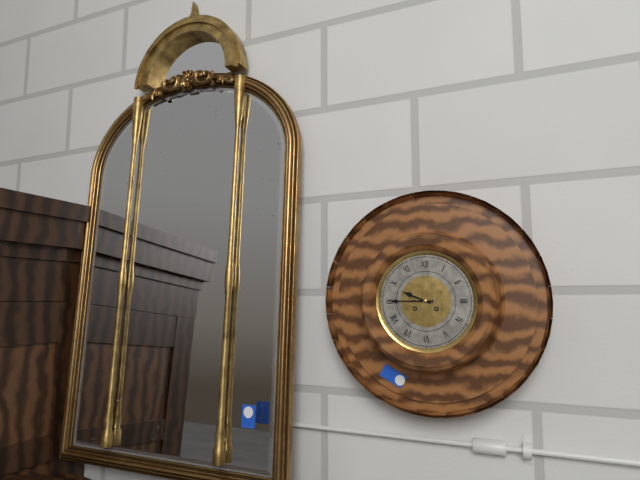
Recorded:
**9:45**
